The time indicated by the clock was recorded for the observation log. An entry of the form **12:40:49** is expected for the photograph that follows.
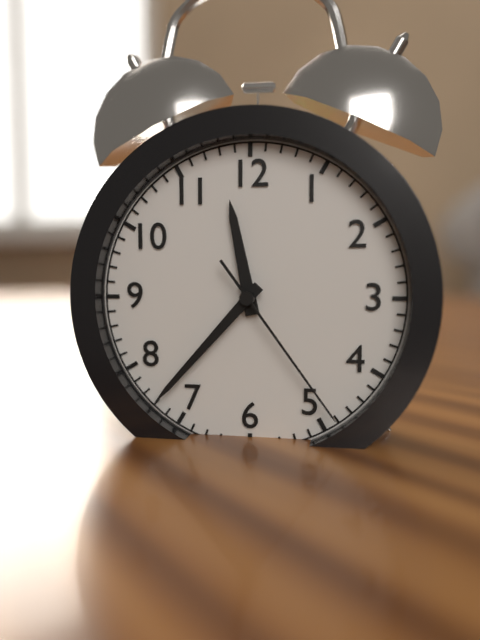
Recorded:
**11:37:24**
